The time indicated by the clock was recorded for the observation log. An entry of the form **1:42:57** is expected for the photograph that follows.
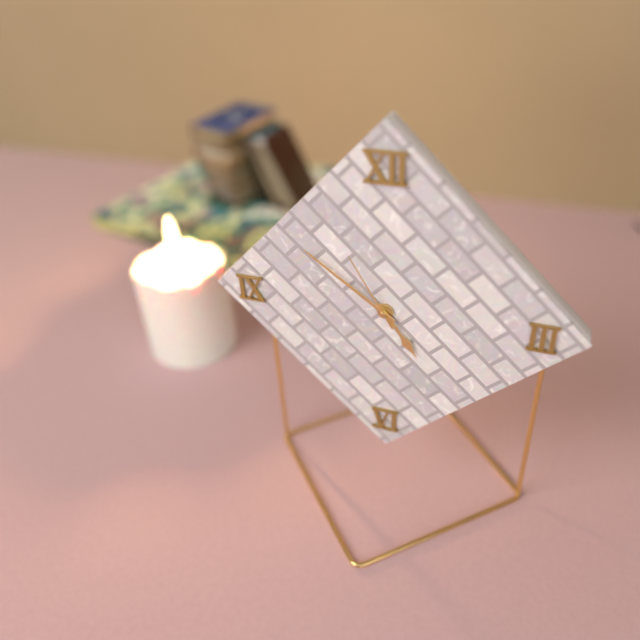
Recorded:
**4:51:55**
